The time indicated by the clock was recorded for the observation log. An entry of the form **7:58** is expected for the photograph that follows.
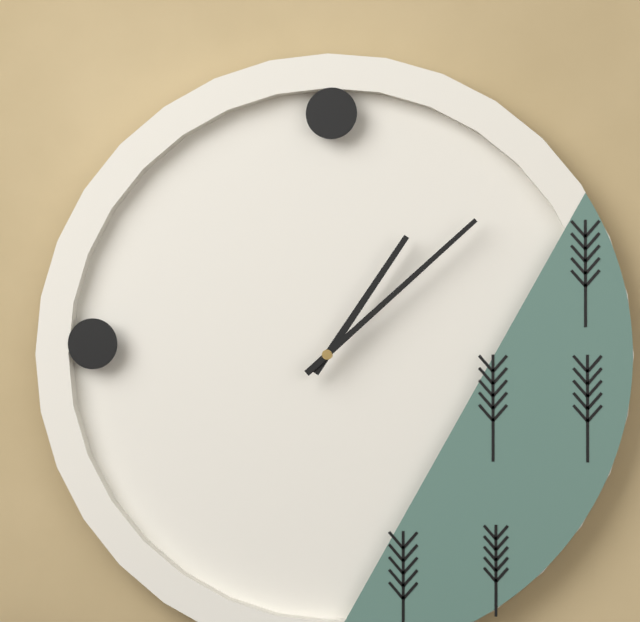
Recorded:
**1:08**
